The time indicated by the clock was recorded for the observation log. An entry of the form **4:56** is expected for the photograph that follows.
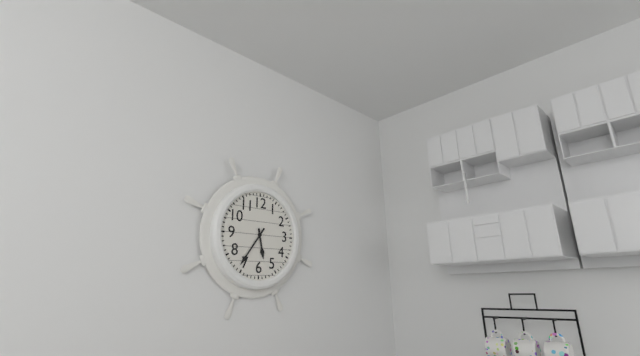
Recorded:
**5:36**
